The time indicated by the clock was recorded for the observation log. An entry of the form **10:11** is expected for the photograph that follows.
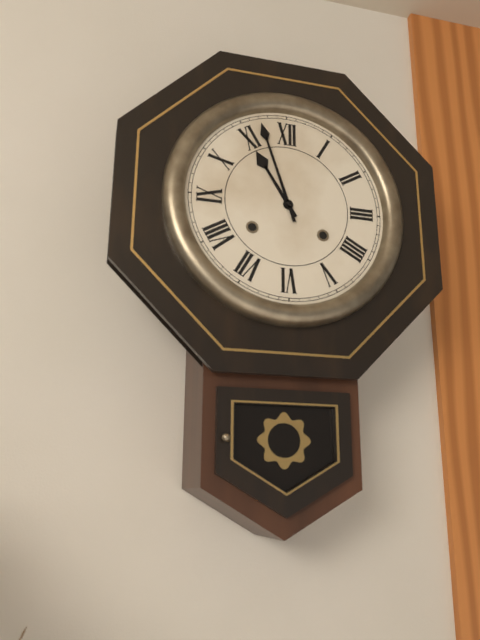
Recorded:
**10:57**
